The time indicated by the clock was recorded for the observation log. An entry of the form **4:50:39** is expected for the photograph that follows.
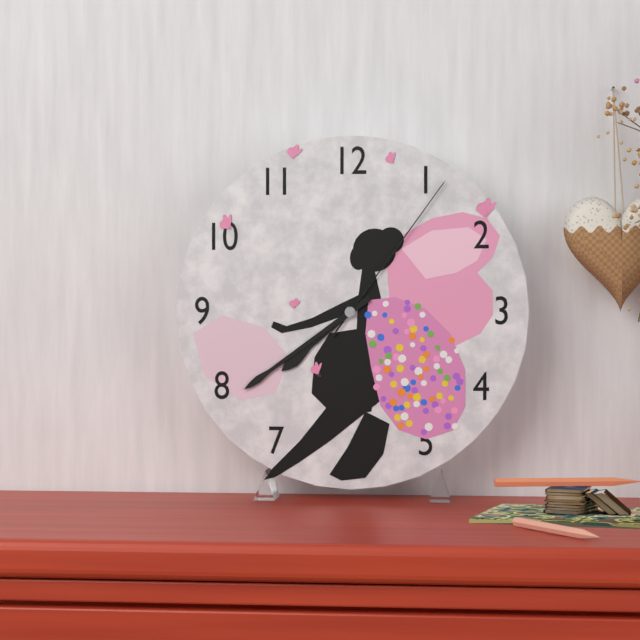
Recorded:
**7:39:06**
